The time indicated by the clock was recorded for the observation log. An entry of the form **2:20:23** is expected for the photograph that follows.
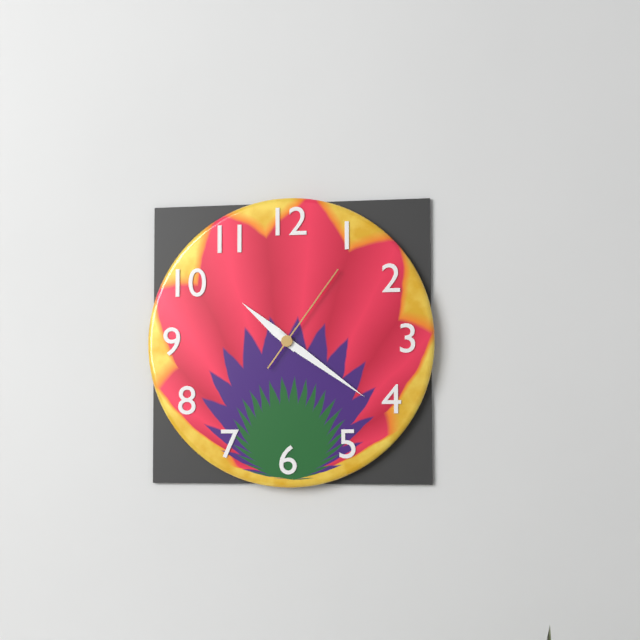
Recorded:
**10:21:06**
